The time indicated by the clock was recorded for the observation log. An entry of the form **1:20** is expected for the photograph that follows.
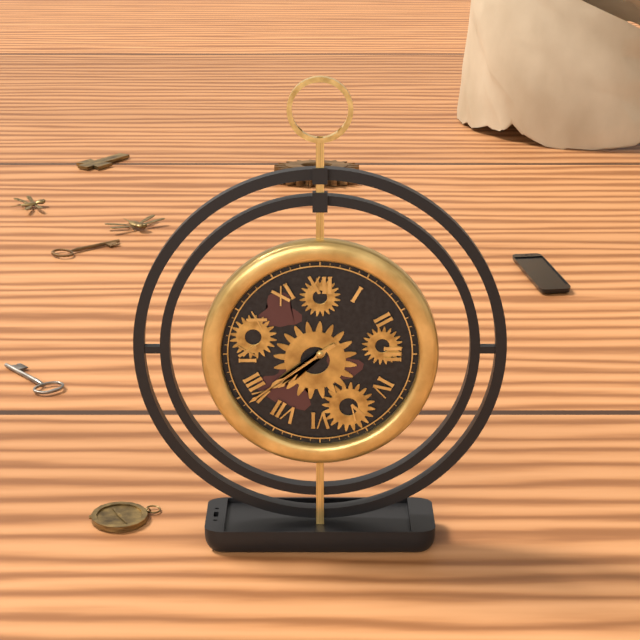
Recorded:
**7:39**
